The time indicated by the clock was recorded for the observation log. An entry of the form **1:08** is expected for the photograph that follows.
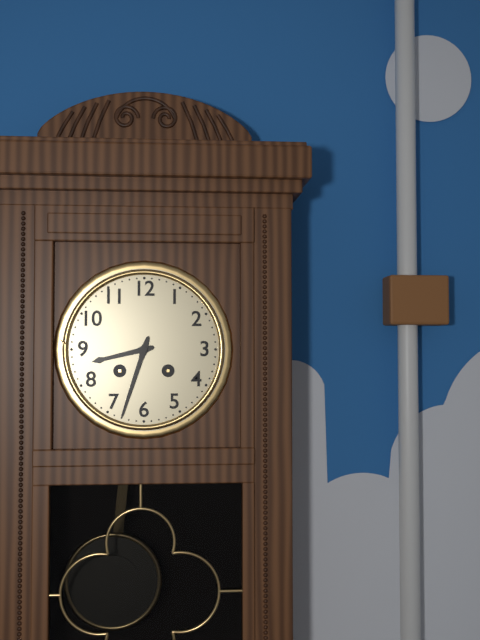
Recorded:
**8:33**
